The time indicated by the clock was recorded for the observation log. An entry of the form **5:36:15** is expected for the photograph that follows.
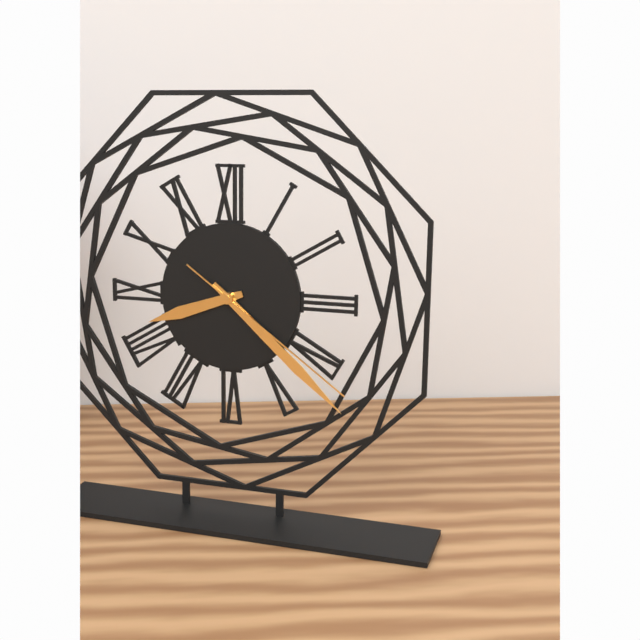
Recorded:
**8:22:21**
